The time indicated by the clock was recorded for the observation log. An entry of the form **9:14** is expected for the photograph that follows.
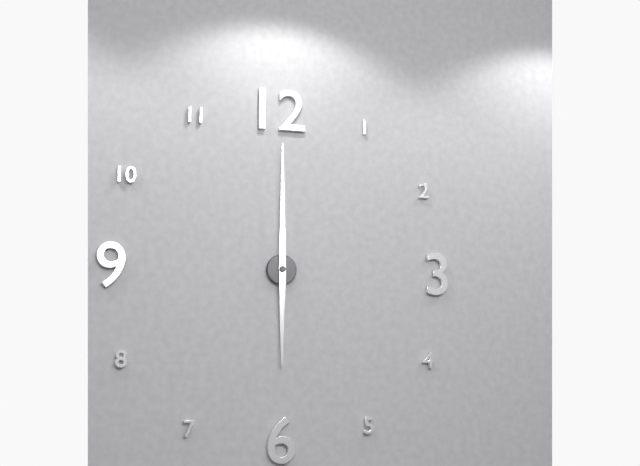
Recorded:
**6:00**
